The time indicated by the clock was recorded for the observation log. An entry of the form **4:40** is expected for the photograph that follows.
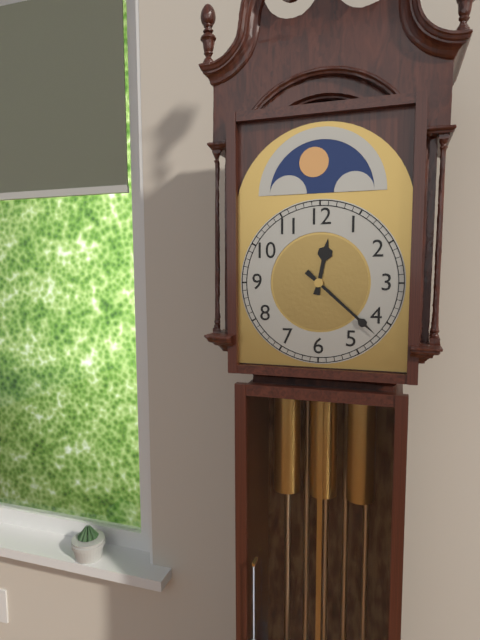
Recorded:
**12:22**
